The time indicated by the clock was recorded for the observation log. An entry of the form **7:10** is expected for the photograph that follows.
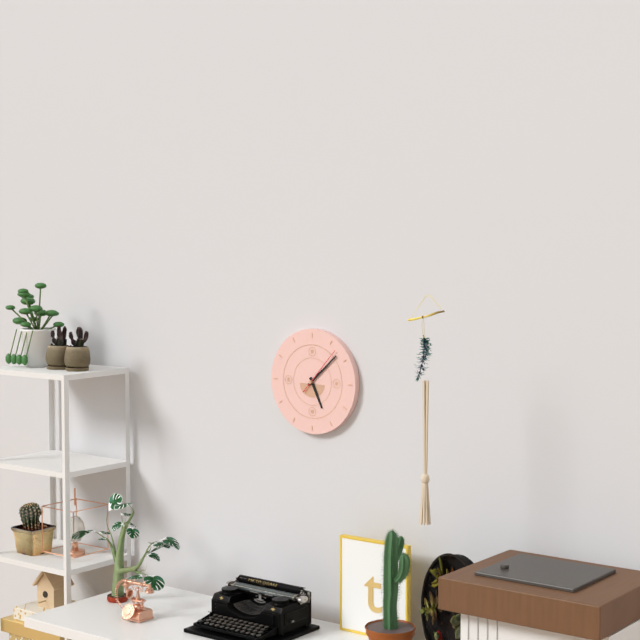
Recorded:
**5:08**
